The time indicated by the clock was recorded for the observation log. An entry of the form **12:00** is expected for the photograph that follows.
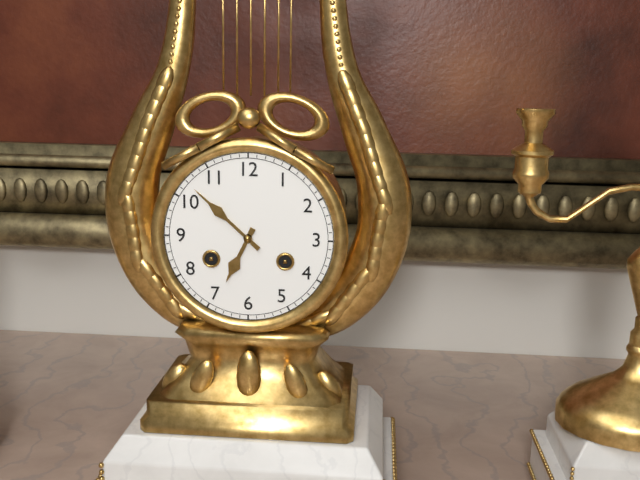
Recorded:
**6:52**
